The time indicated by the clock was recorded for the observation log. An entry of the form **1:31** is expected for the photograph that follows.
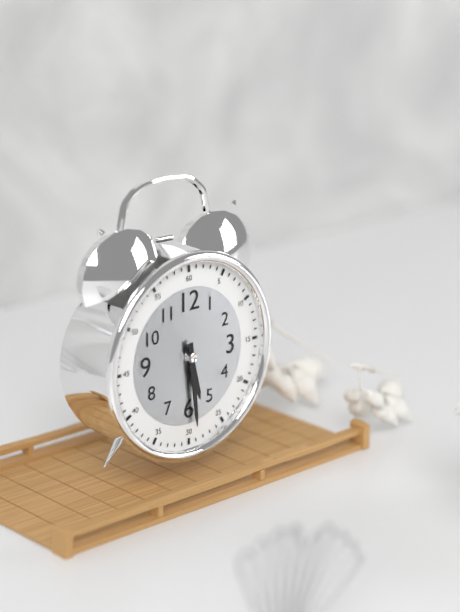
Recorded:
**5:29**
